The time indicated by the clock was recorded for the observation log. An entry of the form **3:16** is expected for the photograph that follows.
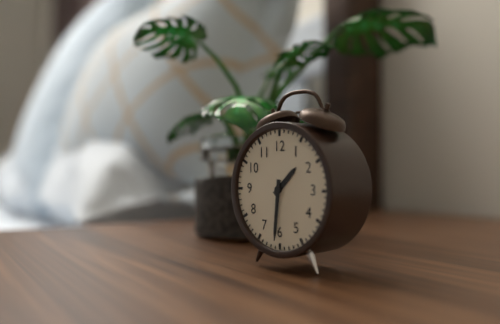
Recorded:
**1:31**
